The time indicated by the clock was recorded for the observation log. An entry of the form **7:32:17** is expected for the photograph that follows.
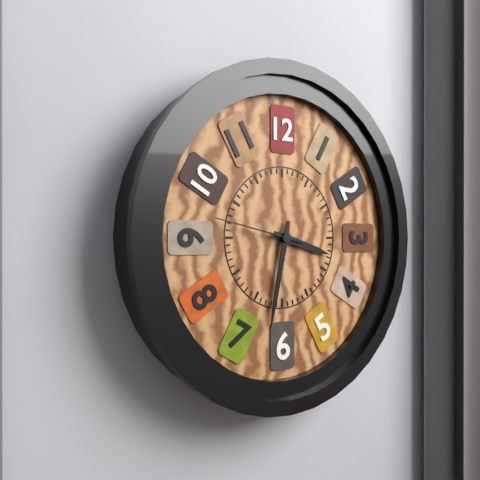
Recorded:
**3:32:47**
